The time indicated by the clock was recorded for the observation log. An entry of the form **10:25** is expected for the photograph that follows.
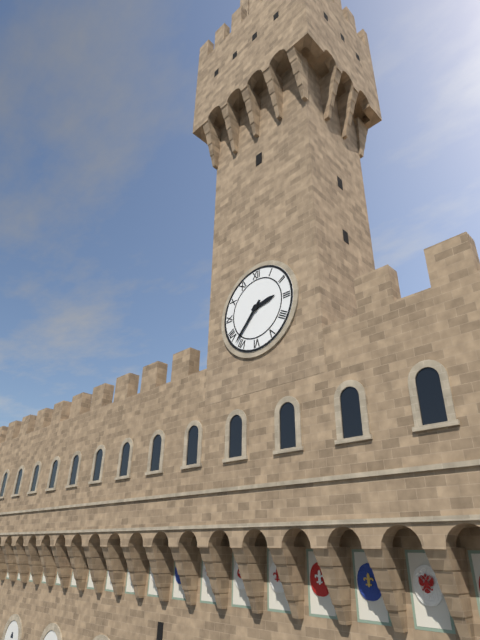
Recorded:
**2:37**
